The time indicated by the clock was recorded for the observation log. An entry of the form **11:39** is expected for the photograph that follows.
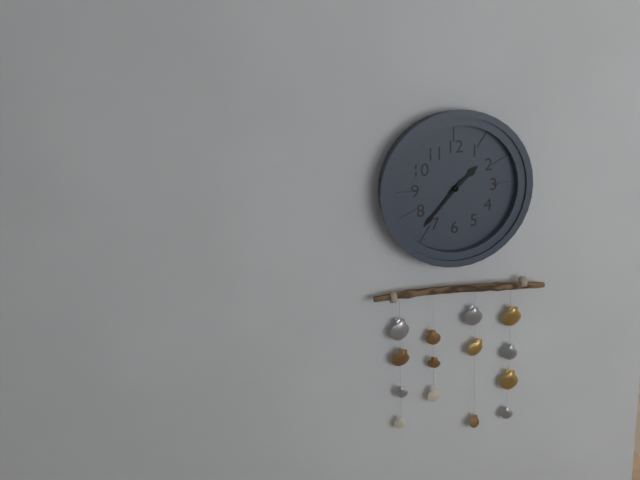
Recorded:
**1:37**
